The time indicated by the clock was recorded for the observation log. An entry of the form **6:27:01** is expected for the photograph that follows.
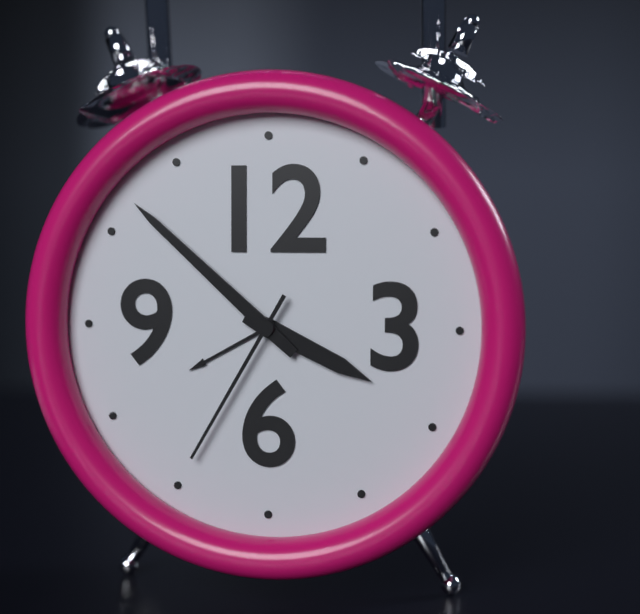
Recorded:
**3:52:35**
